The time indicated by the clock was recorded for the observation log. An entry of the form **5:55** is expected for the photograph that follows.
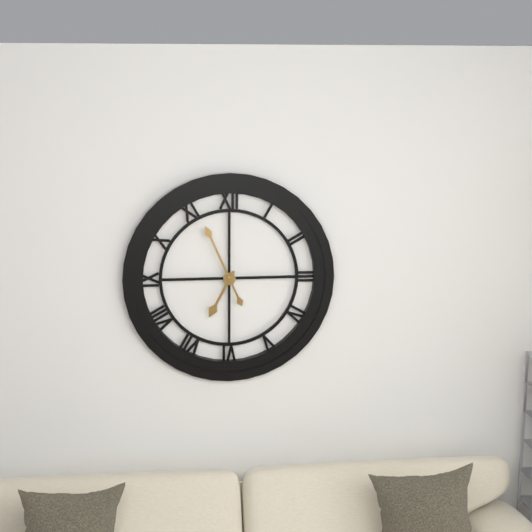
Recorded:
**6:56**
